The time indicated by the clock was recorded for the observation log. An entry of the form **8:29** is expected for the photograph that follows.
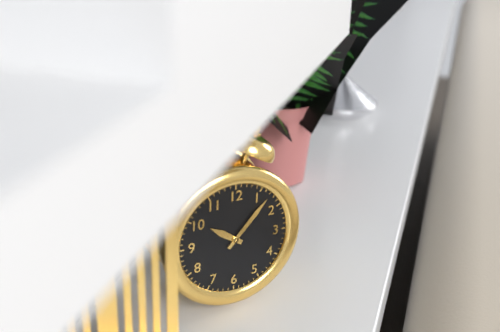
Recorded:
**10:07**
